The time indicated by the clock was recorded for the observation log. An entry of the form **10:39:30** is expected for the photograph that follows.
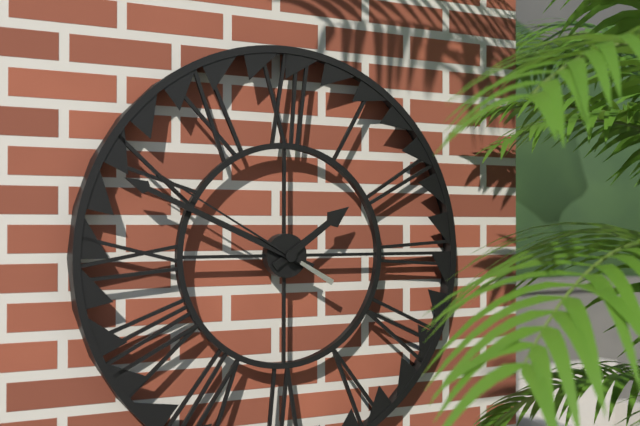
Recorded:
**1:49:50**
